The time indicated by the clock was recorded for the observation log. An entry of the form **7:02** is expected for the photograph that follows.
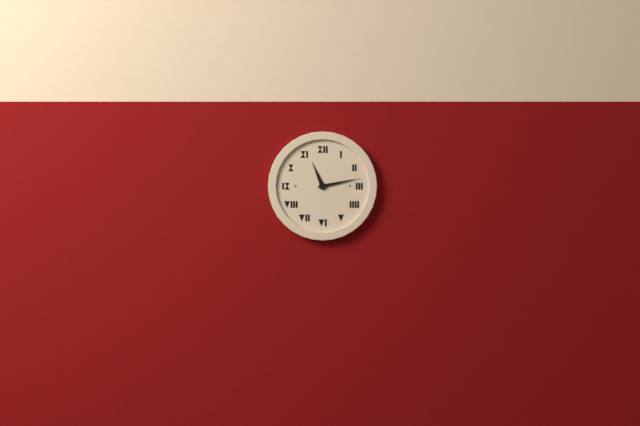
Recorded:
**11:13**
